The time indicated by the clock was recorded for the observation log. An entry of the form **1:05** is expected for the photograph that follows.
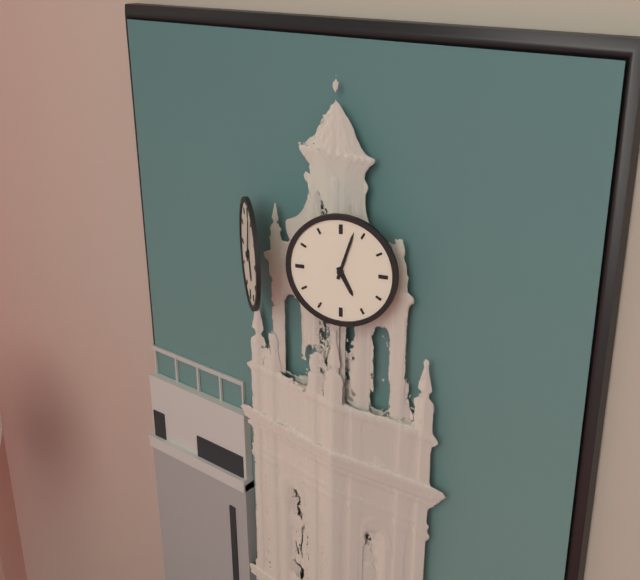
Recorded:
**5:03**
